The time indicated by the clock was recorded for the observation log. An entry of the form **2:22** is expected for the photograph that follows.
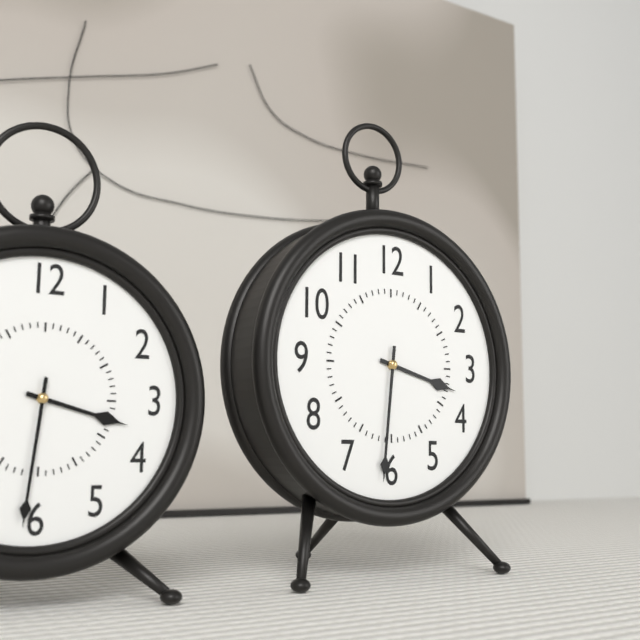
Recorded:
**3:31**
